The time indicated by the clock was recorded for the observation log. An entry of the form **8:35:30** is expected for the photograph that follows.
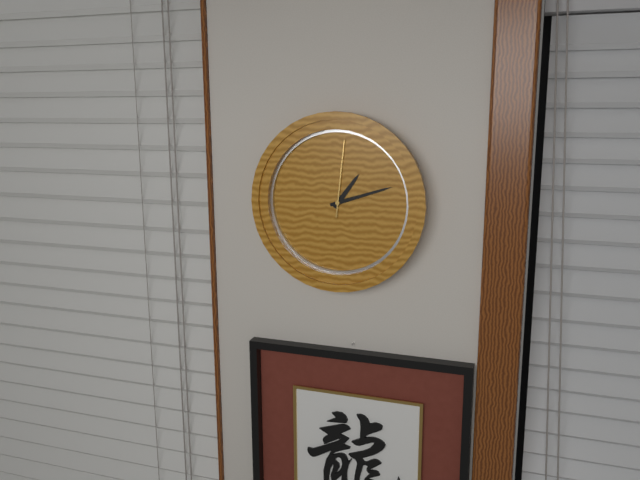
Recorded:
**1:12:01**
